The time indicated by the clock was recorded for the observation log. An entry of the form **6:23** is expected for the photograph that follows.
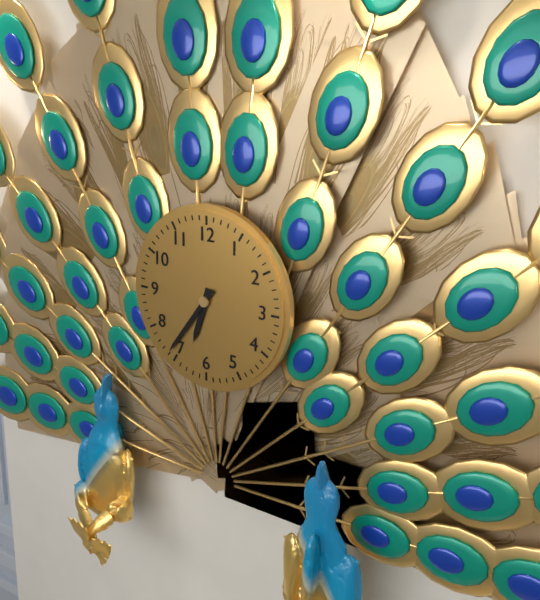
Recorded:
**6:36**
